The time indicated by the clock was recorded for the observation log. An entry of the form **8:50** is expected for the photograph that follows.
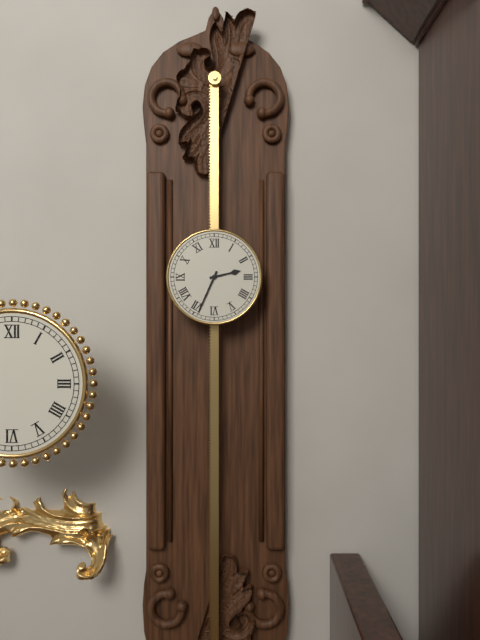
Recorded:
**2:34**
